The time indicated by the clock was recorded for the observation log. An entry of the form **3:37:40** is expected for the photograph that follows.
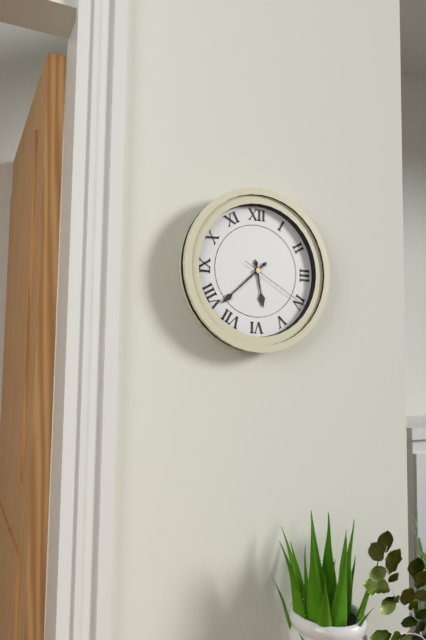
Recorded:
**5:38:20**
